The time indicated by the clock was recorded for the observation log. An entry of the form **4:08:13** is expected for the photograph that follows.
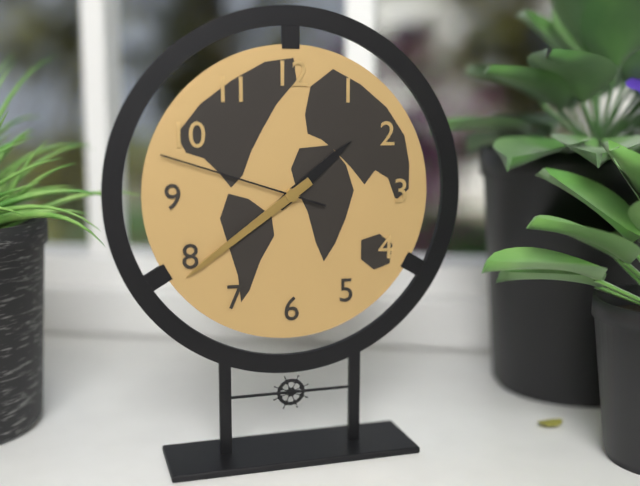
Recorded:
**1:39:48**
